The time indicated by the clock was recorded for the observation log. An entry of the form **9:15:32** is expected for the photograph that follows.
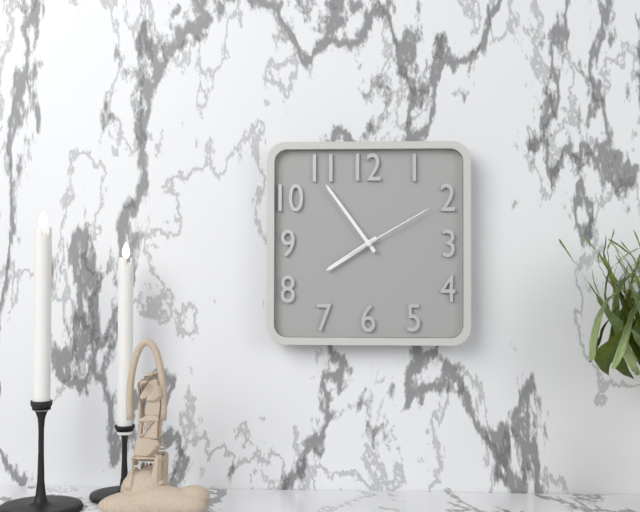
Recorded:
**7:54:10**
